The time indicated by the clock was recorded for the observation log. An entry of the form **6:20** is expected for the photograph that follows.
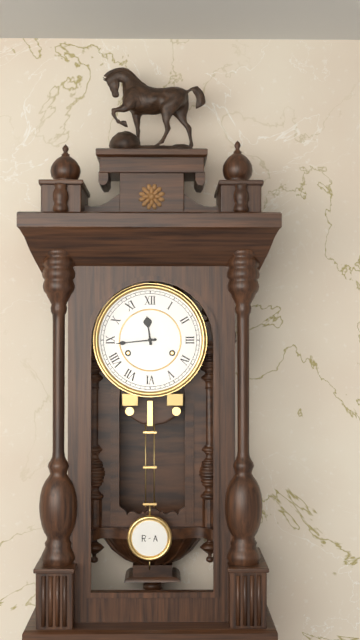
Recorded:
**11:44**
